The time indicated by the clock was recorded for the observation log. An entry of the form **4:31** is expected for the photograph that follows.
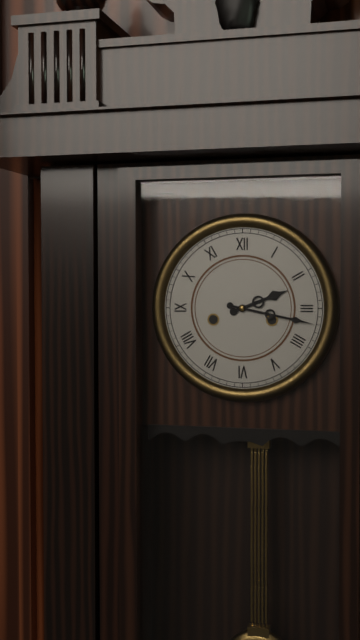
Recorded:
**2:17**
